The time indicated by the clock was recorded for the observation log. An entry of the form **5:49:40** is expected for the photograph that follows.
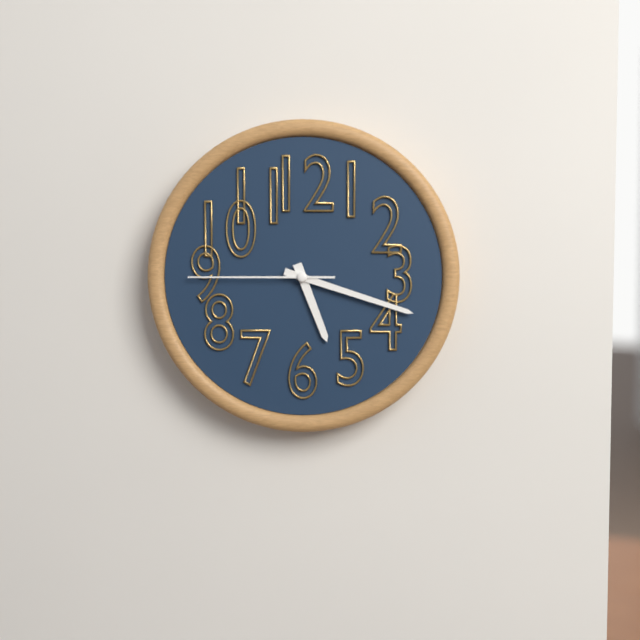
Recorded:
**5:18:45**
